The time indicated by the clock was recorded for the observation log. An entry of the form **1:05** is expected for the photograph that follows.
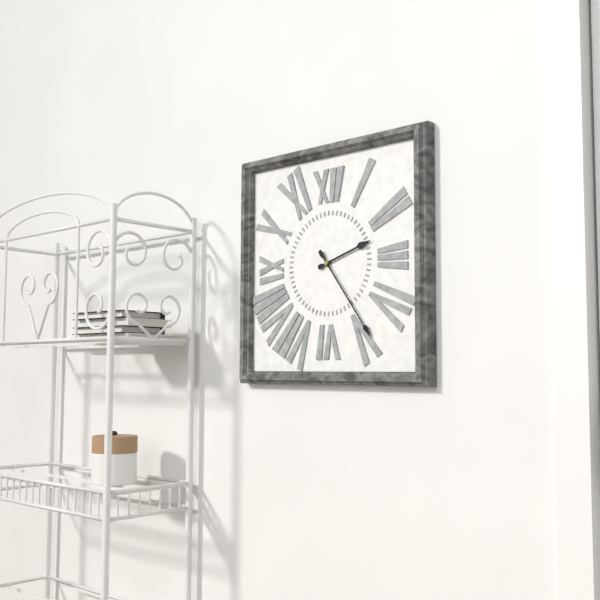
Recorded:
**2:24**
